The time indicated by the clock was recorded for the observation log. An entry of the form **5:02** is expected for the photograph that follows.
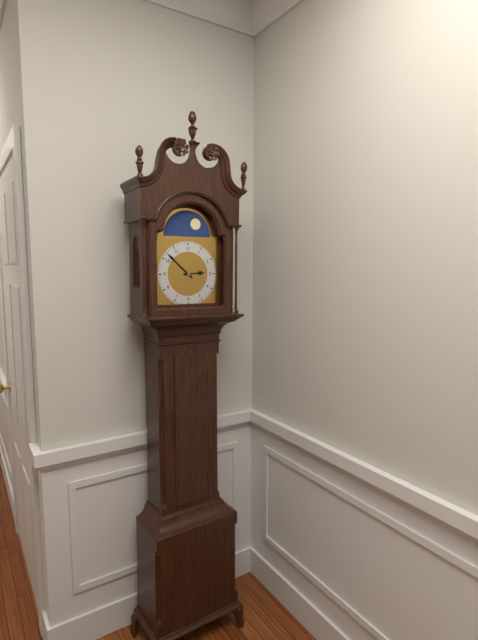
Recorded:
**2:52**
